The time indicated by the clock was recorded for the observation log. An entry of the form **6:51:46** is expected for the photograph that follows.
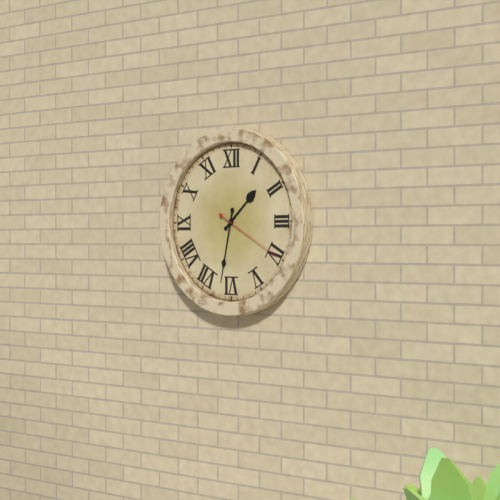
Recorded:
**1:32:20**
